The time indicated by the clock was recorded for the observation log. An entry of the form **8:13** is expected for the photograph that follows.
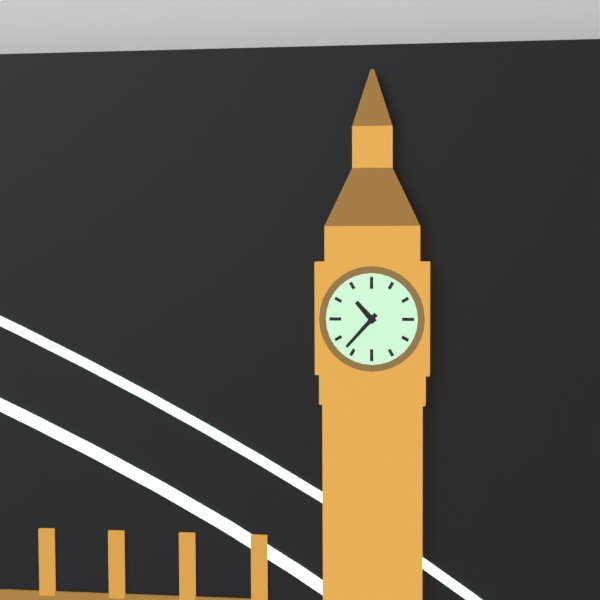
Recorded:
**10:37**
